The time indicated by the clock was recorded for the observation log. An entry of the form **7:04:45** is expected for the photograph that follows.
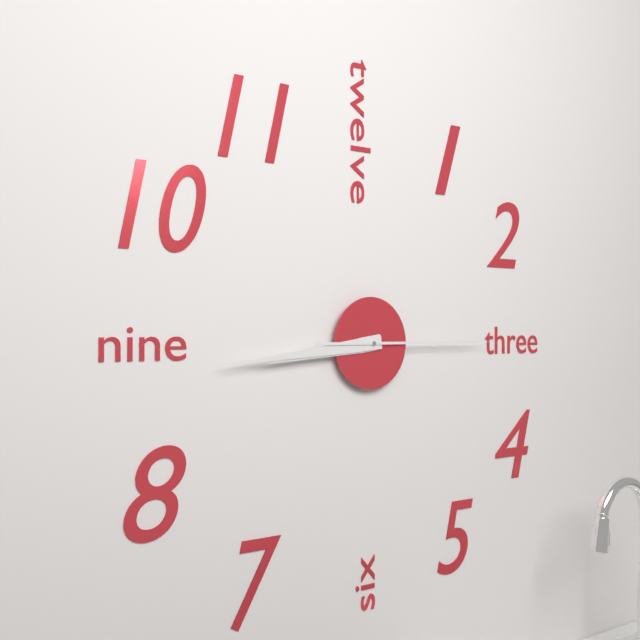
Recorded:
**8:44:15**
